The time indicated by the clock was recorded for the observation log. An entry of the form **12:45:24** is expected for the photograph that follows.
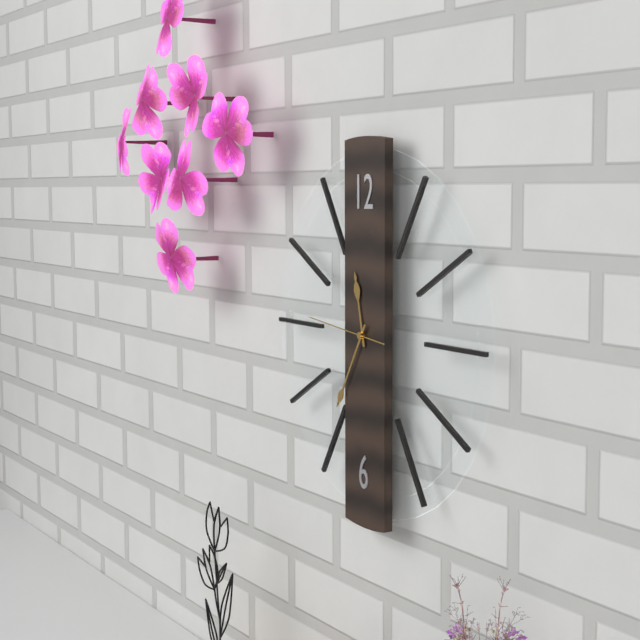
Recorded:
**11:35:46**
